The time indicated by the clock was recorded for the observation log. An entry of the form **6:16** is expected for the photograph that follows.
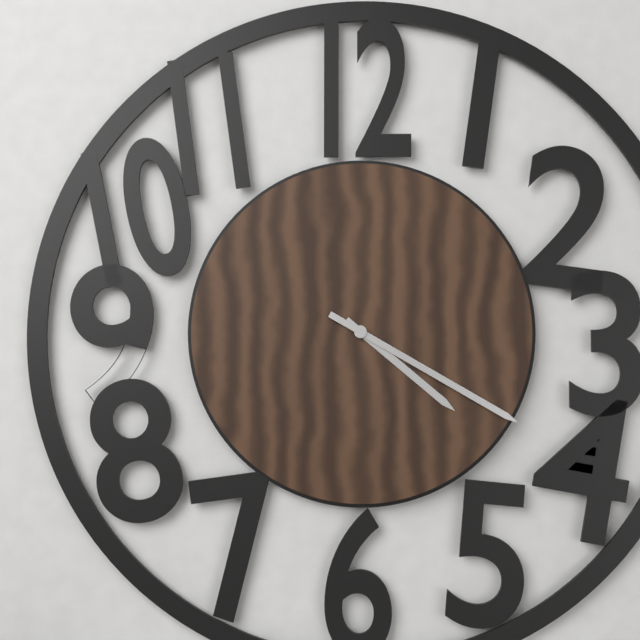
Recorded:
**4:20**
